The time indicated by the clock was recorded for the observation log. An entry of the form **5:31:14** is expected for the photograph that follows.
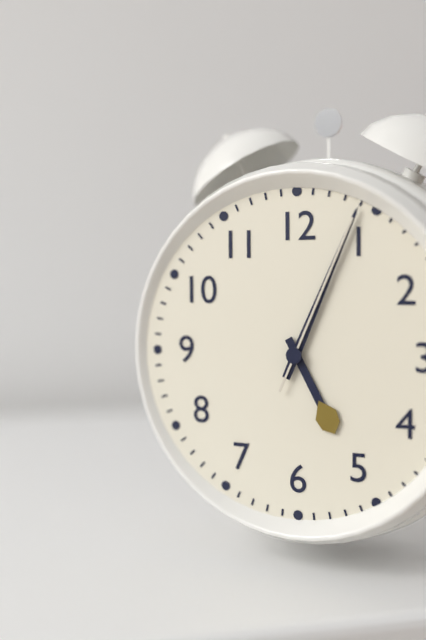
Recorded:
**5:04:04**
